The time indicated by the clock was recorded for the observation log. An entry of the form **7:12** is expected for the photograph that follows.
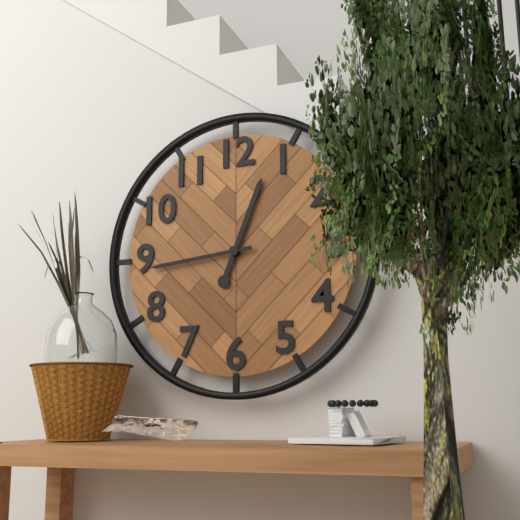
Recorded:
**12:44**
